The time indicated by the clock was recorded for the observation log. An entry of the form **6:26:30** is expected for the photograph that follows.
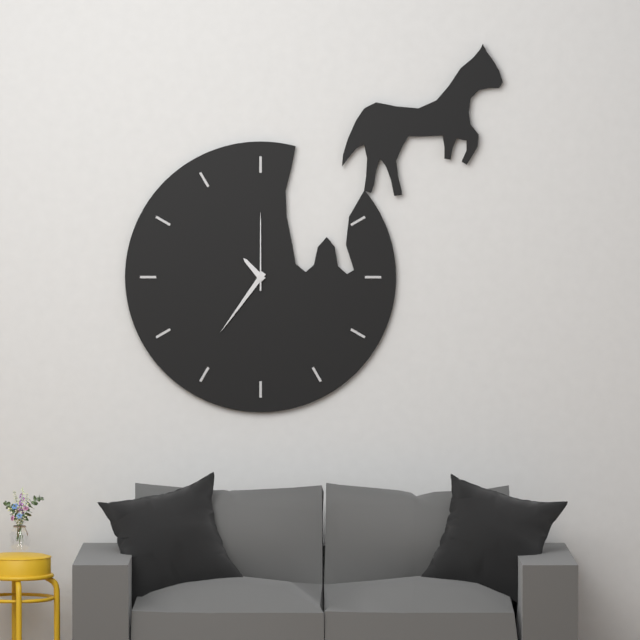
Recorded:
**10:36:00**
